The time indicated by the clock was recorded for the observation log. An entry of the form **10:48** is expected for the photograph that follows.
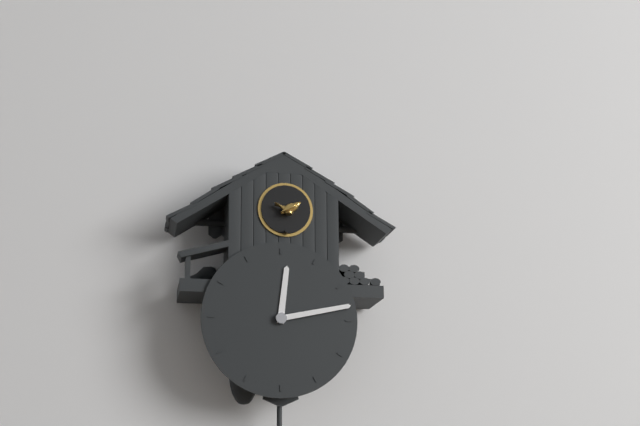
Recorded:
**12:13**
